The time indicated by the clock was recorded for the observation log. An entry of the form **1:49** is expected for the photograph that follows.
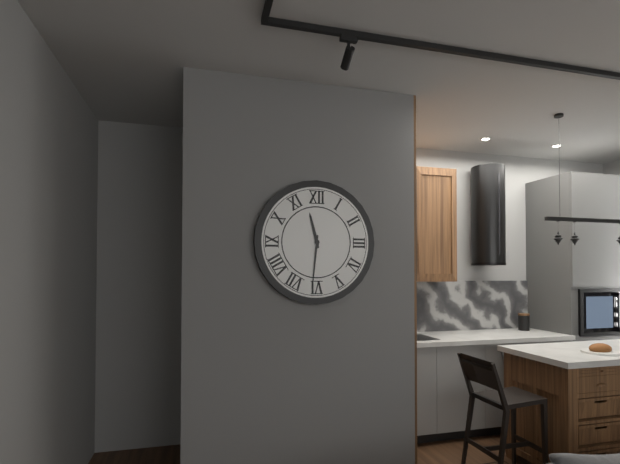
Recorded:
**11:31**
